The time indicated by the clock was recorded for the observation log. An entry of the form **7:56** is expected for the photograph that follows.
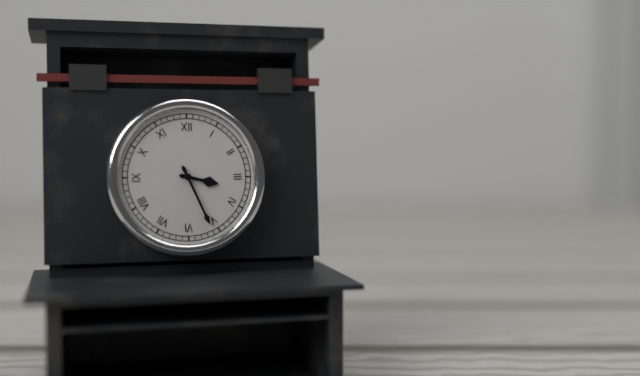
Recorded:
**3:26**
